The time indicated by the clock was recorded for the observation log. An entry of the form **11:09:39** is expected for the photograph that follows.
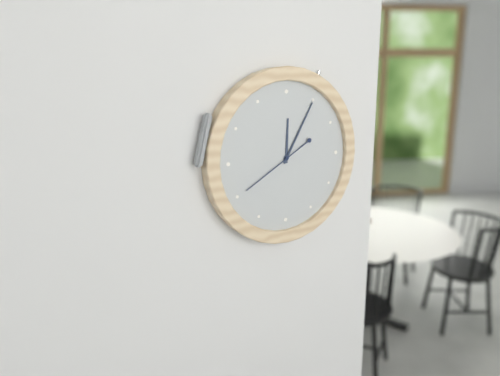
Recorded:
**12:05:40**
